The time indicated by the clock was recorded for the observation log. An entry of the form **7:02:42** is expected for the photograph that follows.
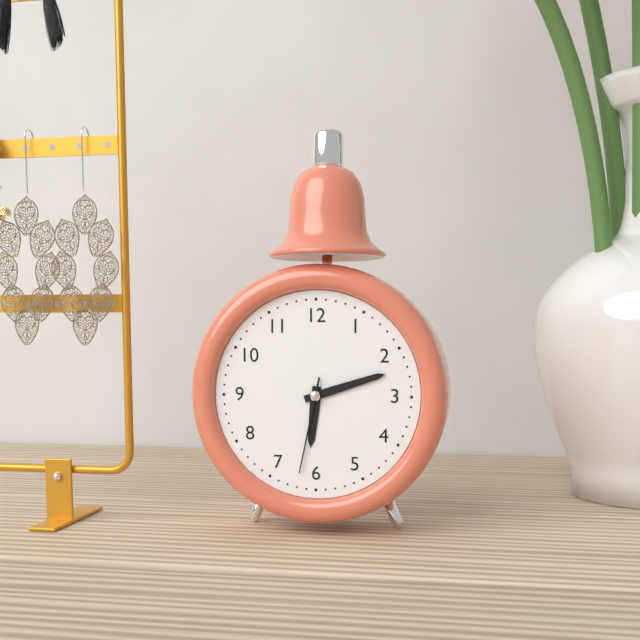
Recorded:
**6:12:32**
